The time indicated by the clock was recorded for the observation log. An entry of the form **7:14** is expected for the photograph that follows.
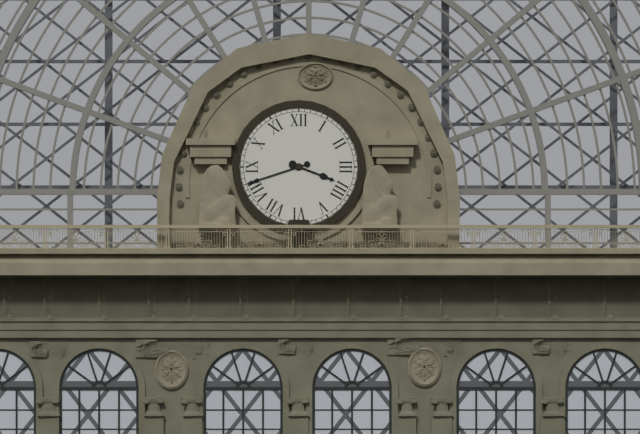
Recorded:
**3:42**
